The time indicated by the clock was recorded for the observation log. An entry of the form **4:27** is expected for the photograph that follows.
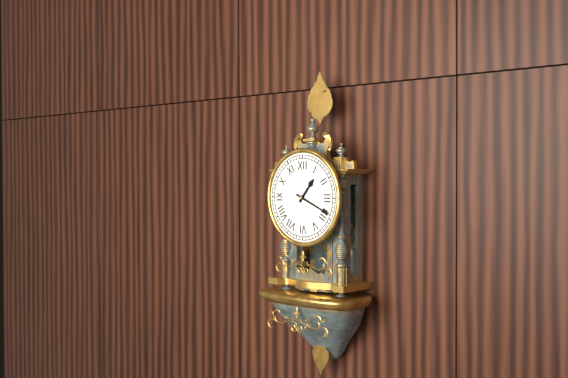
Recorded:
**1:19**
